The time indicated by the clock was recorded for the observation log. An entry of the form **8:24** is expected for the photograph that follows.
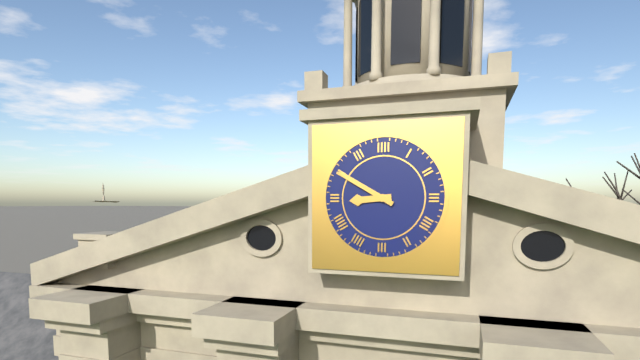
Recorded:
**8:50**
